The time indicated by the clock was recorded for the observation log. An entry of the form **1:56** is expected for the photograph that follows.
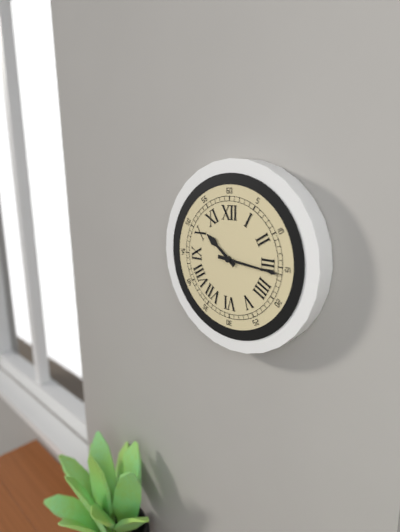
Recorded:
**10:16**
